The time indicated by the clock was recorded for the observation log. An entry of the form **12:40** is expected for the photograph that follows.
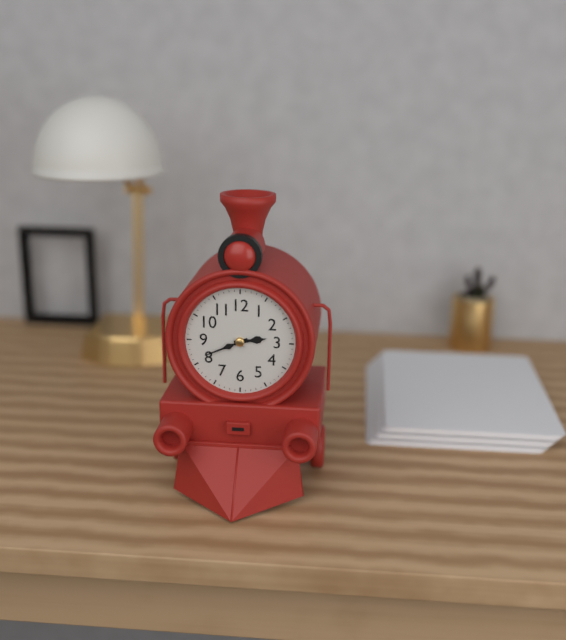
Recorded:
**2:41**
